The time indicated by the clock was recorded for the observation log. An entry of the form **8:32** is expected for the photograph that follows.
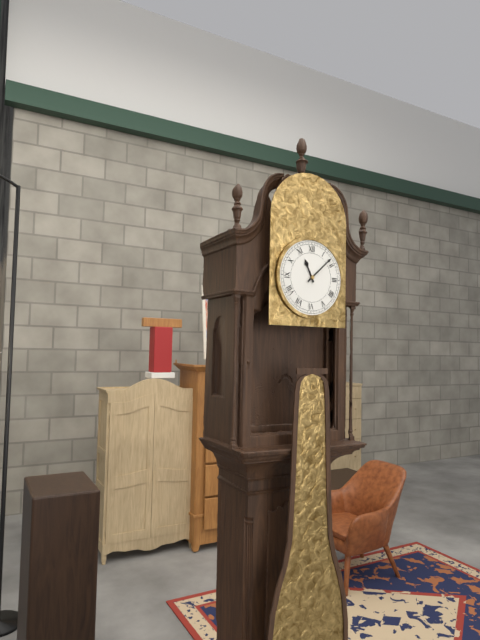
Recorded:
**11:08**
